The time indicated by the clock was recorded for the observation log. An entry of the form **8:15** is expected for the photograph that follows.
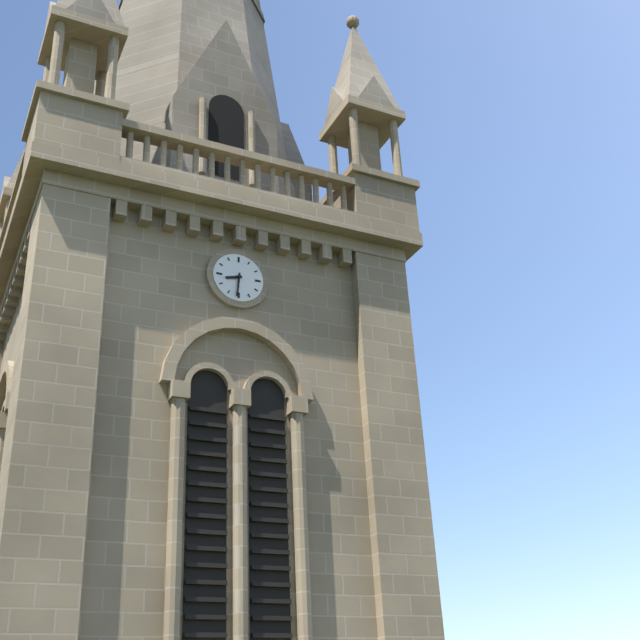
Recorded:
**8:31**
